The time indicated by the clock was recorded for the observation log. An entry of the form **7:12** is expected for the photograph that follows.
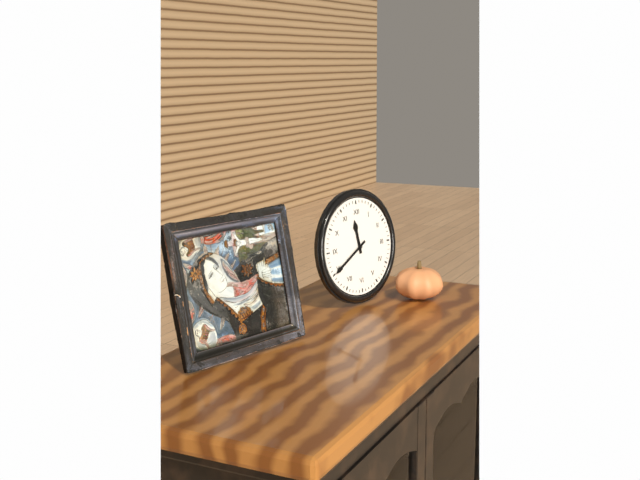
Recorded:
**11:40**
